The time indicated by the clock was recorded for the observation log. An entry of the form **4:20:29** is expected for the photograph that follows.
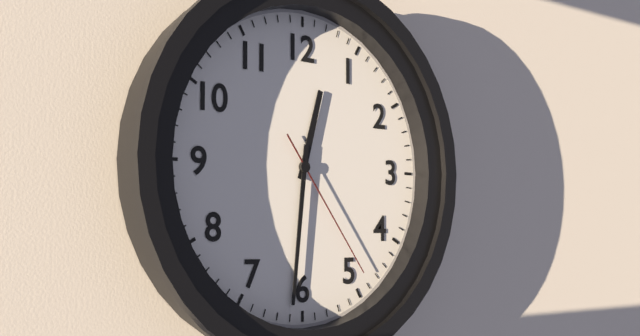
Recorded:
**12:31:24**
